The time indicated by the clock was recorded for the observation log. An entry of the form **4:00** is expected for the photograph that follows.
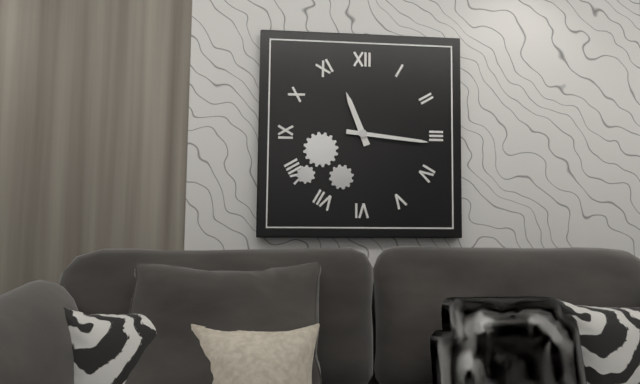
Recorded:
**11:16**
